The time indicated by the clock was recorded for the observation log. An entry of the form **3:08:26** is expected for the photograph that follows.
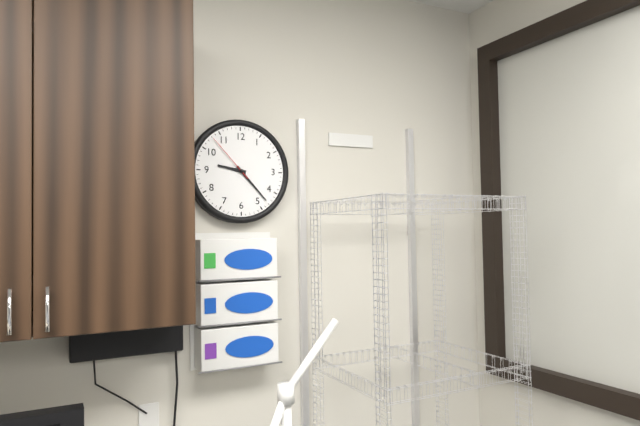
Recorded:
**9:23:53**
